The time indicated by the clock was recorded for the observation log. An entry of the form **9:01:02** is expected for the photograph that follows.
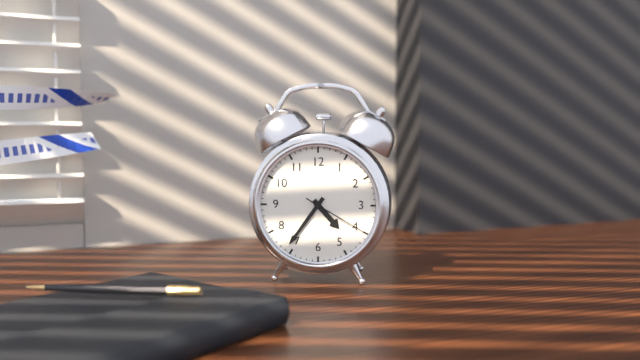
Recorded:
**4:36:20**
